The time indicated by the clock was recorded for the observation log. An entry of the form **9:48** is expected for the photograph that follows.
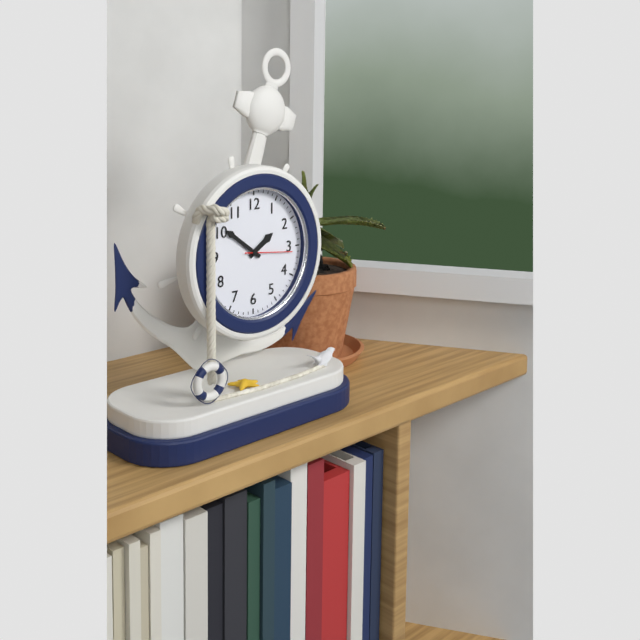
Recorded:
**1:51**
